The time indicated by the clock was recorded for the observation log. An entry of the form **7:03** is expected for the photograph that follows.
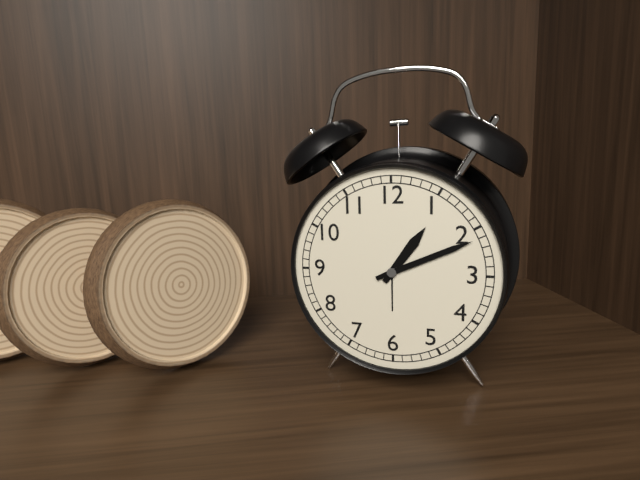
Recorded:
**1:11**
